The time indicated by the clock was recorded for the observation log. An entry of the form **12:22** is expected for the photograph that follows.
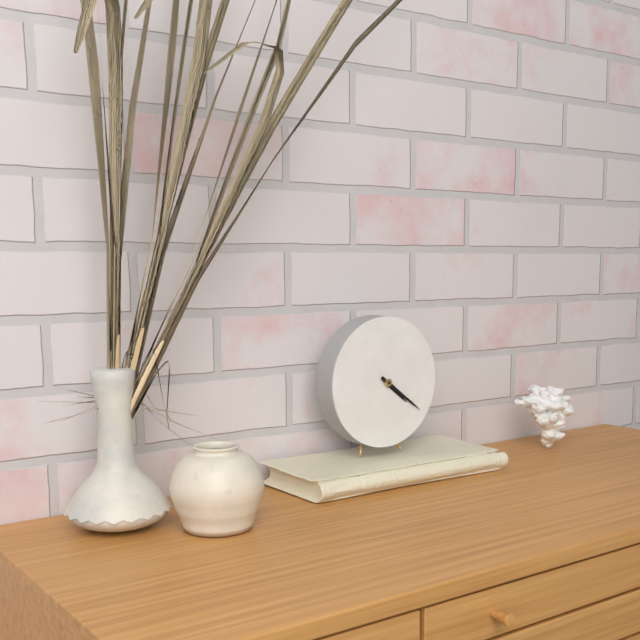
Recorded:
**4:21**
